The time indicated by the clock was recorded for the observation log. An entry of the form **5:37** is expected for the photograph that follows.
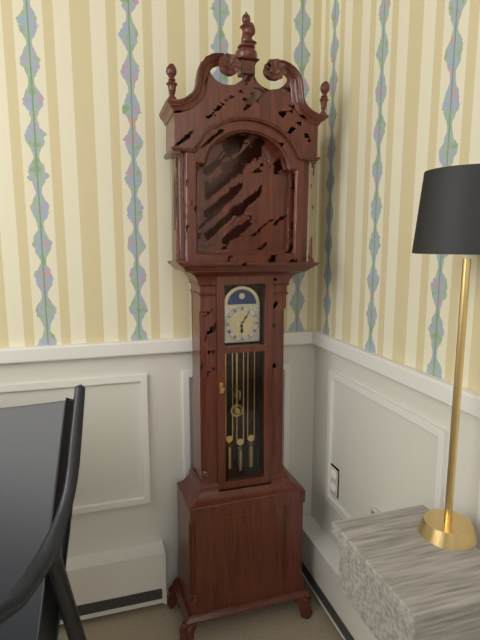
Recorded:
**6:05**
